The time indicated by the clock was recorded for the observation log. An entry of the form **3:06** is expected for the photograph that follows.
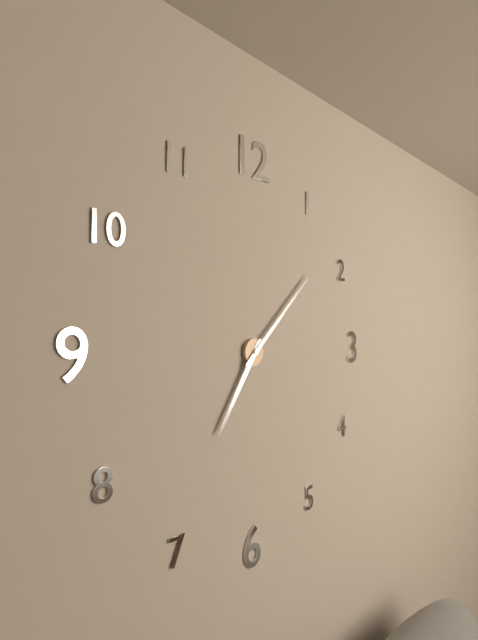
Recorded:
**7:08**
